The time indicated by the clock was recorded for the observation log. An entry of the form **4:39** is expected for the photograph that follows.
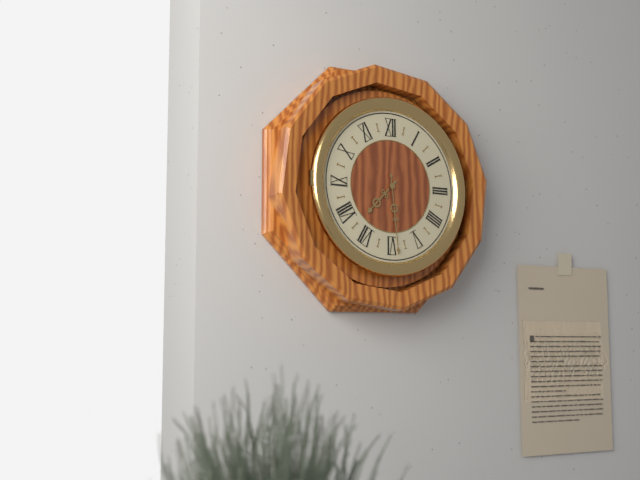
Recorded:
**7:29**
